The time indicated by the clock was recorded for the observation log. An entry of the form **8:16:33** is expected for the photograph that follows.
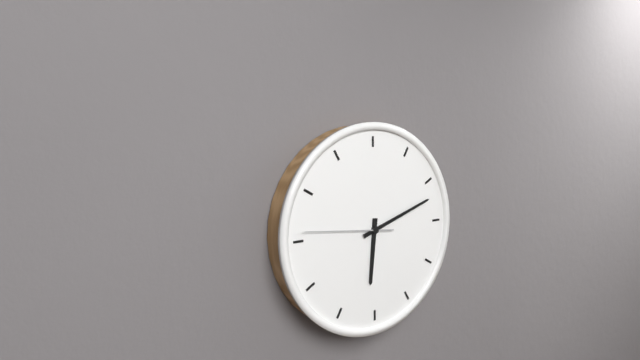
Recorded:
**6:12:46**
